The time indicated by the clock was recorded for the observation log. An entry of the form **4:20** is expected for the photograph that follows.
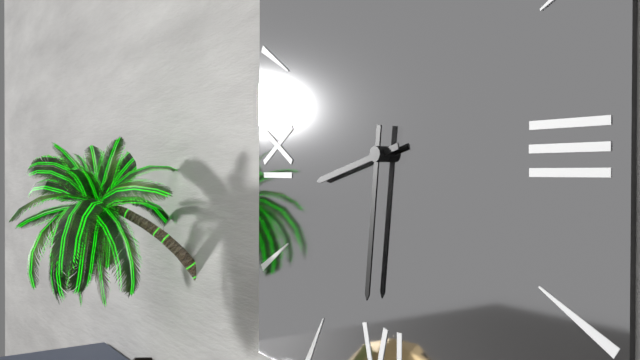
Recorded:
**8:31**
